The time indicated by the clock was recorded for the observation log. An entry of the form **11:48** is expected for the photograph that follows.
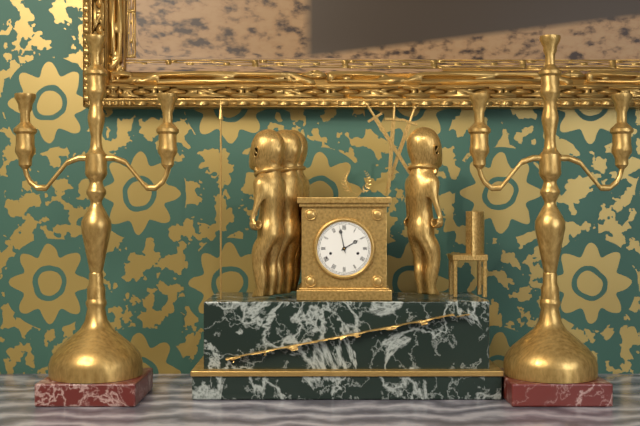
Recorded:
**1:58**
